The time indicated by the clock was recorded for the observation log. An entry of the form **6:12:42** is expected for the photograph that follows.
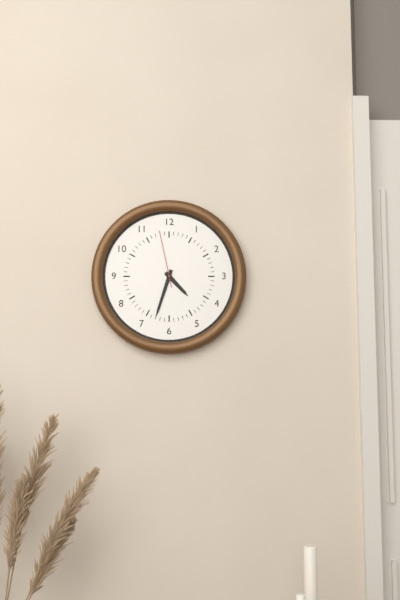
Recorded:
**4:33:58**
